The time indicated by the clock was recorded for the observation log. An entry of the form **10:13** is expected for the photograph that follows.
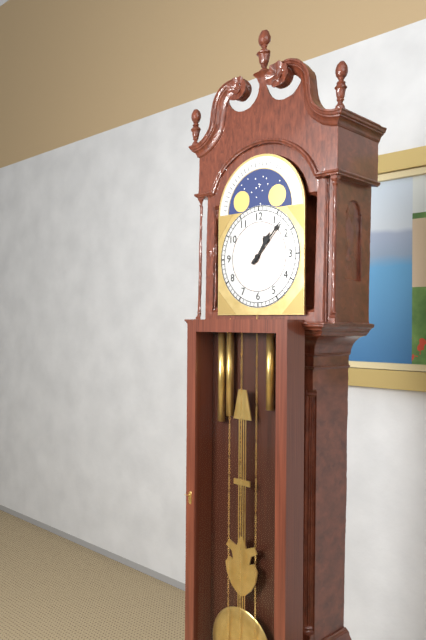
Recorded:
**1:07**
